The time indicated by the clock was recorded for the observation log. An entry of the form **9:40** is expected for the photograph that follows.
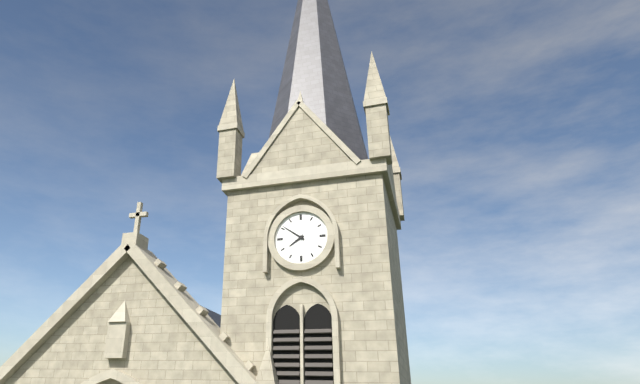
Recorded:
**7:51**
